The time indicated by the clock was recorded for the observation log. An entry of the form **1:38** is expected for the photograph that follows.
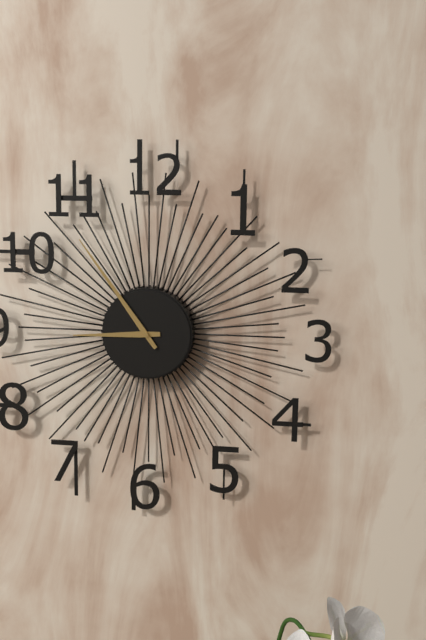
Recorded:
**8:54**
